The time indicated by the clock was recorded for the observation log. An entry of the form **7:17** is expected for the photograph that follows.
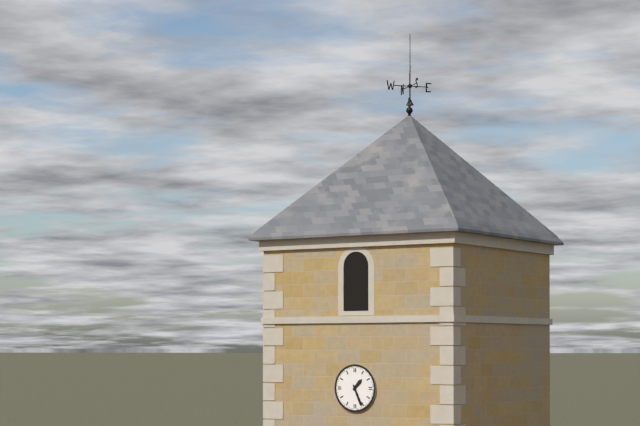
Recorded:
**1:26**
